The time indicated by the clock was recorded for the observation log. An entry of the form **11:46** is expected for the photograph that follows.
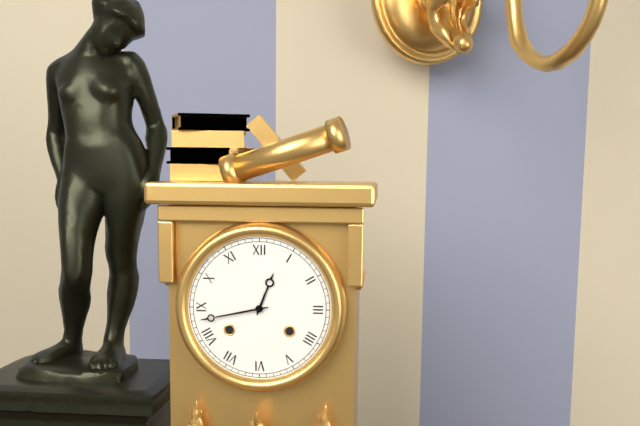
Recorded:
**12:43**
